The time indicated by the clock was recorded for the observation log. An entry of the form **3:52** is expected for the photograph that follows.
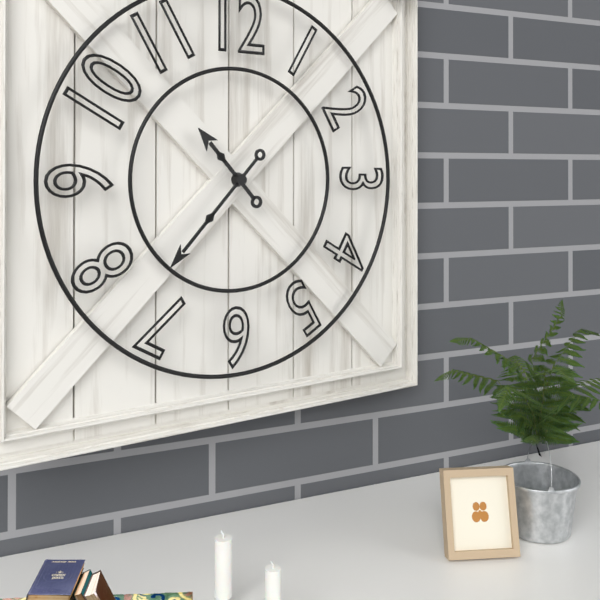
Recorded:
**10:37**
